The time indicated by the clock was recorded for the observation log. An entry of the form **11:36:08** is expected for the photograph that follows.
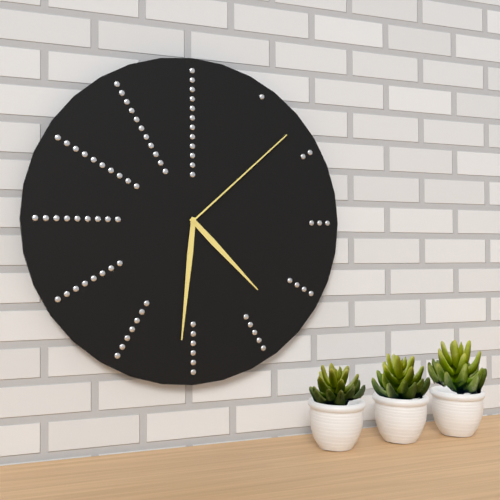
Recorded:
**4:31:08**
